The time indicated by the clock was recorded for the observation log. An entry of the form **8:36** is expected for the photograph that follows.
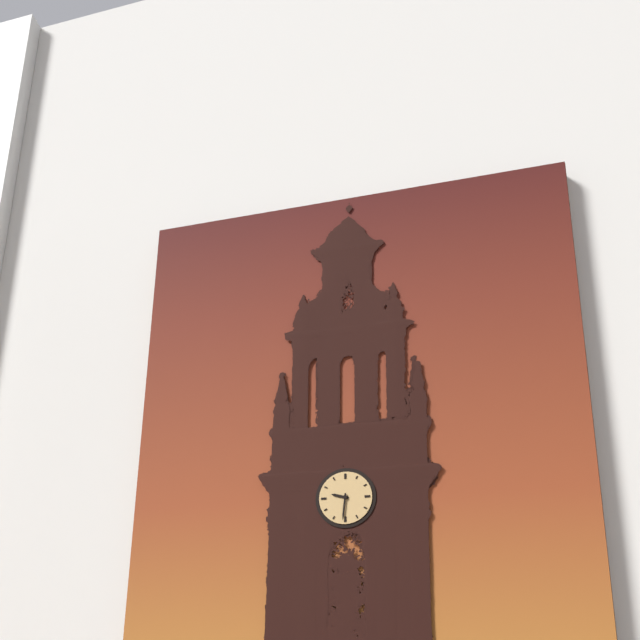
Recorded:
**9:31**
